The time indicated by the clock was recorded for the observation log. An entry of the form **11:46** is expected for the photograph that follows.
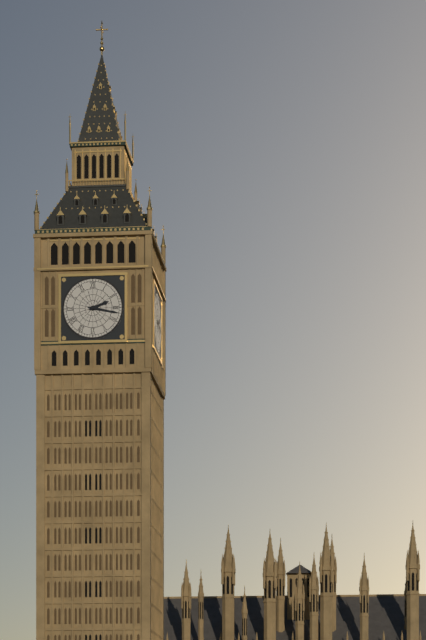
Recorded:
**2:17**
